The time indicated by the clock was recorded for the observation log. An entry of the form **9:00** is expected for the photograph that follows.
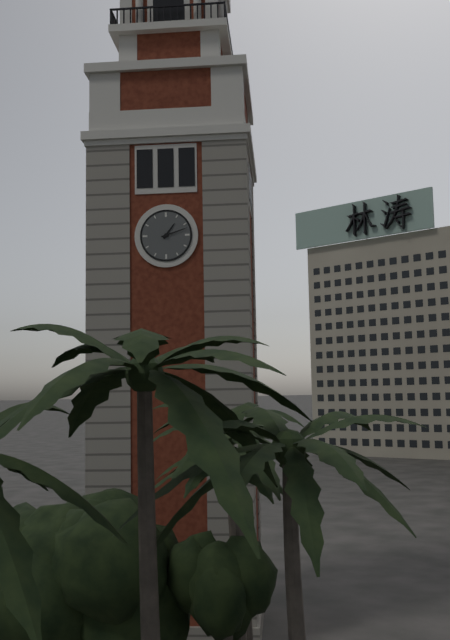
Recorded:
**1:12**
